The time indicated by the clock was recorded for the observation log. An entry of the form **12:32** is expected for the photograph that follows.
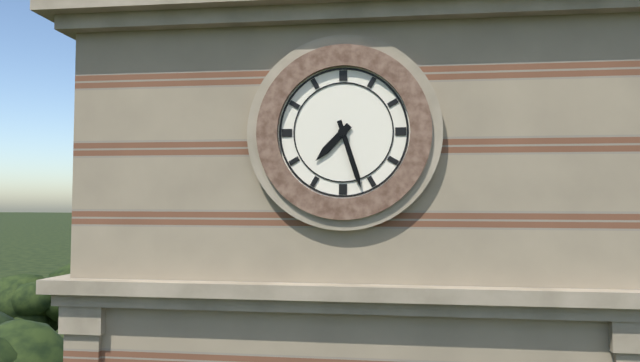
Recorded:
**7:27**
